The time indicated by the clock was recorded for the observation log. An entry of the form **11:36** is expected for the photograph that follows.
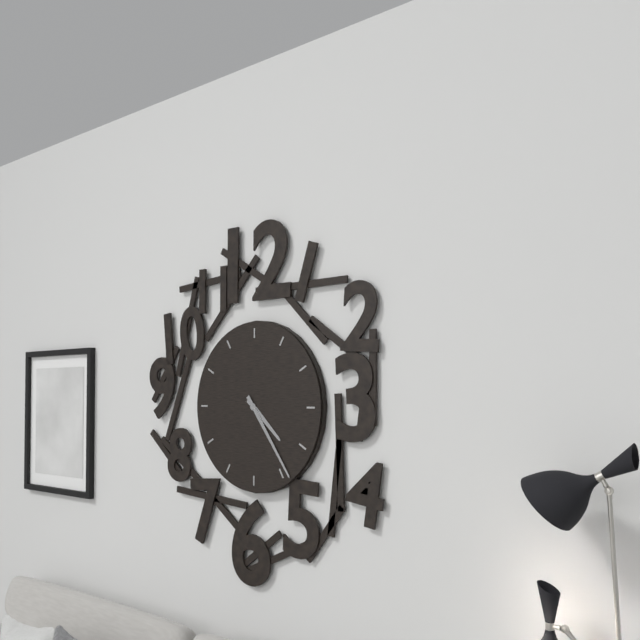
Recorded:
**4:24**
